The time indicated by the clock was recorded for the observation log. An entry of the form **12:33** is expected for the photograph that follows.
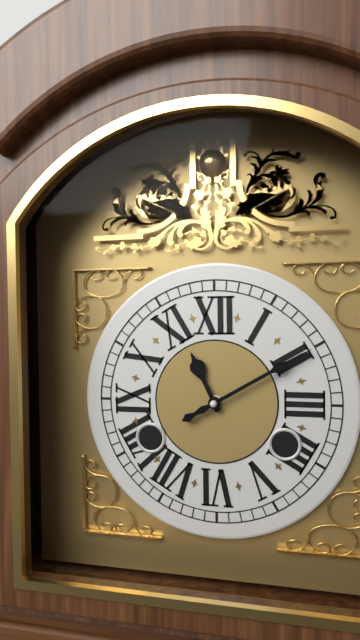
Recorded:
**11:10**
